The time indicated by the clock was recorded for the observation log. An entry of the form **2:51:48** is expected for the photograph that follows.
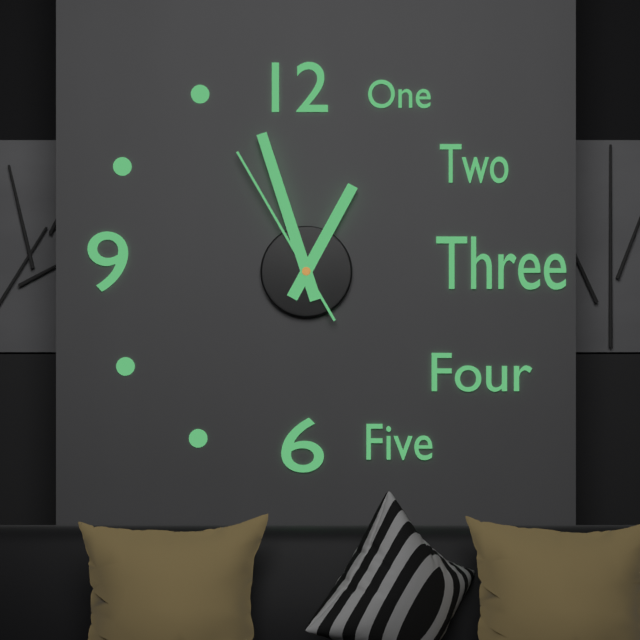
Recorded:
**12:57:55**
